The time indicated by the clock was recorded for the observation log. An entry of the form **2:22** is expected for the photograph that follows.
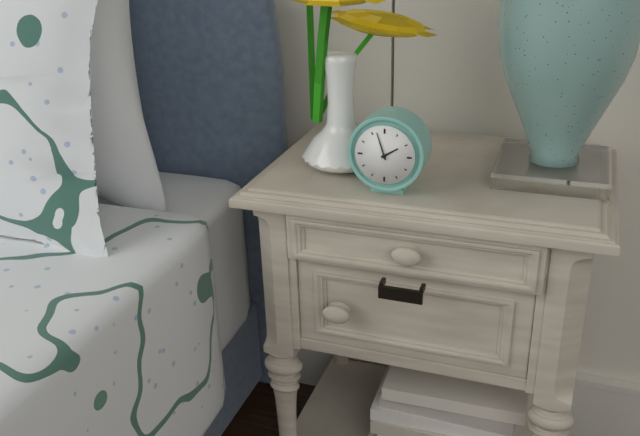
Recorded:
**1:57**
